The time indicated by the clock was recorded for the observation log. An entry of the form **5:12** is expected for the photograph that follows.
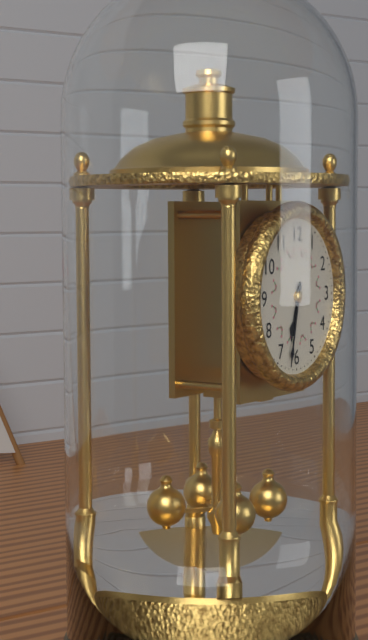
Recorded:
**6:32**
